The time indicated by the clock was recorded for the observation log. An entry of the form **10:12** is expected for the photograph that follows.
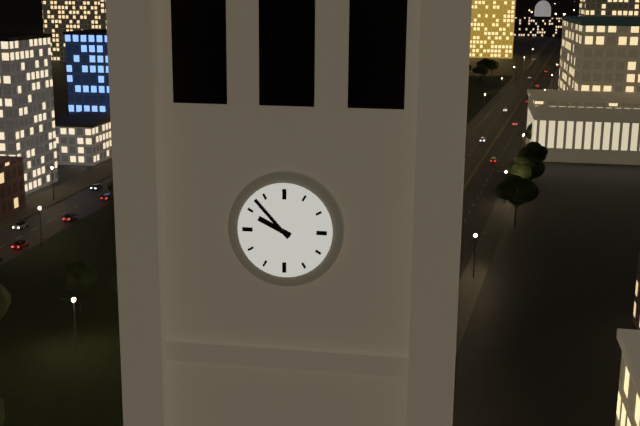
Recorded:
**9:53**
